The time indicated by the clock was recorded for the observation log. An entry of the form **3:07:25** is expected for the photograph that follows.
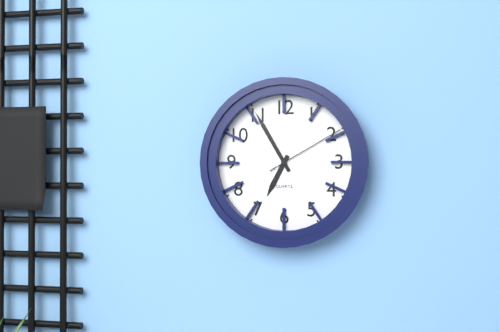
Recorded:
**6:55:10**
